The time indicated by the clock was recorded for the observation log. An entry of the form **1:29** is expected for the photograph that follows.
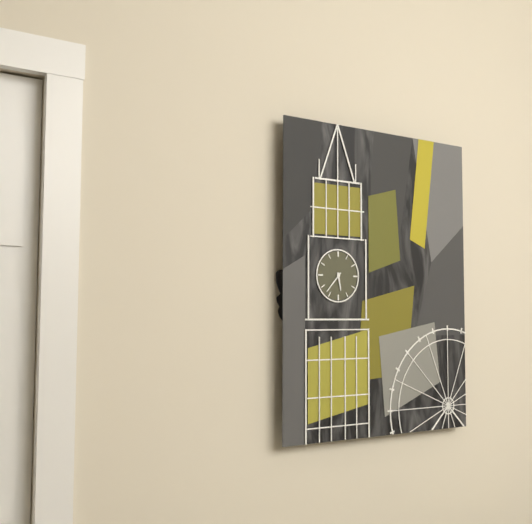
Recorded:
**5:37**
